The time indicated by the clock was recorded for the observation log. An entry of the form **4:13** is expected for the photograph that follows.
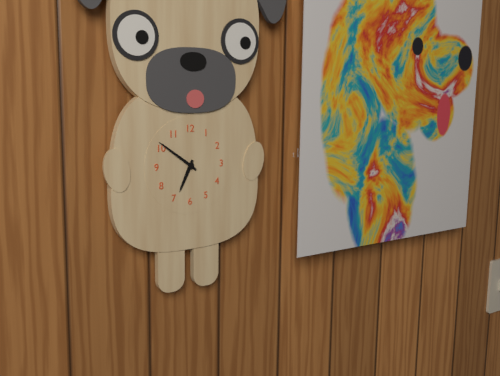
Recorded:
**6:51**
